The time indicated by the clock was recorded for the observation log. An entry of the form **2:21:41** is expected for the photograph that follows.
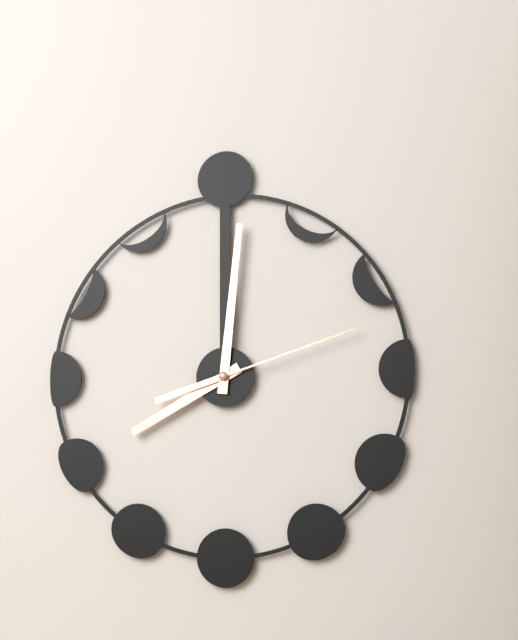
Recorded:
**8:01:12**
